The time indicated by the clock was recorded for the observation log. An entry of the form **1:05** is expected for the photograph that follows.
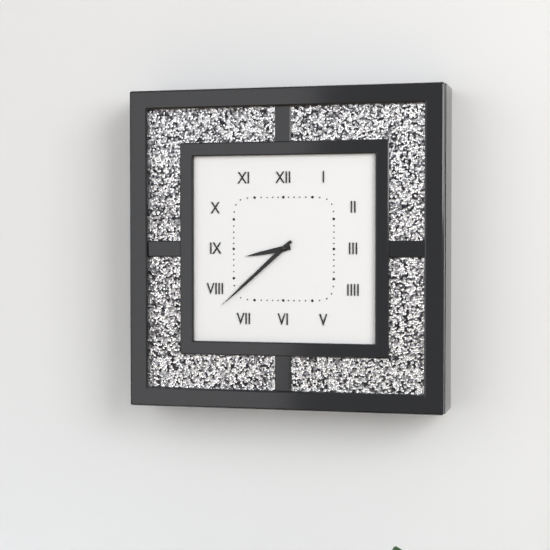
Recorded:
**8:38**
